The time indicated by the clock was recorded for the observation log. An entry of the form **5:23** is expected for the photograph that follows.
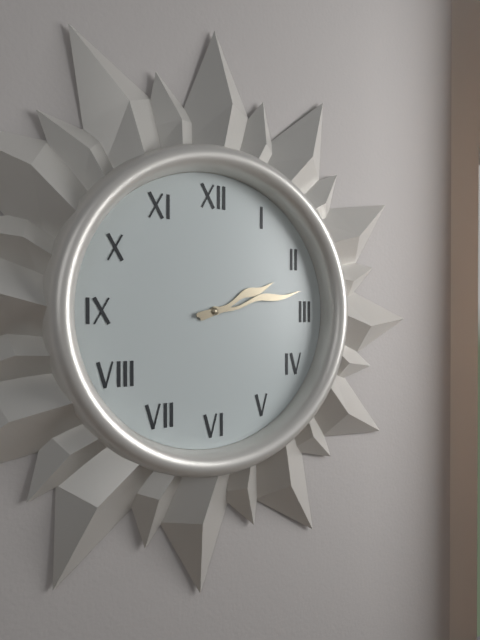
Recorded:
**2:13**
